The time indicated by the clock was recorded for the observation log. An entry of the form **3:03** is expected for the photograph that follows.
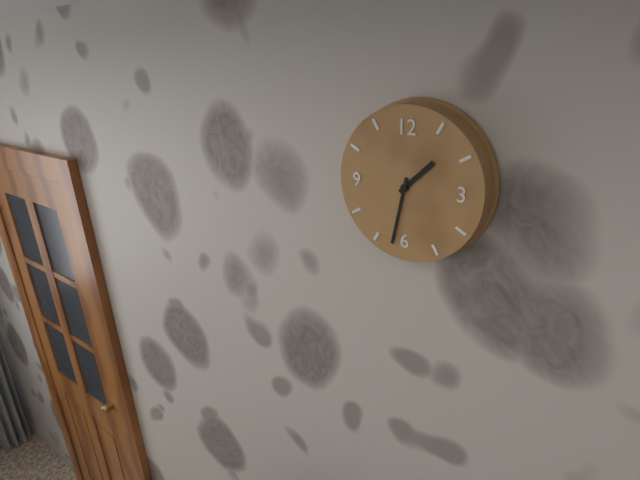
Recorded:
**1:32**
